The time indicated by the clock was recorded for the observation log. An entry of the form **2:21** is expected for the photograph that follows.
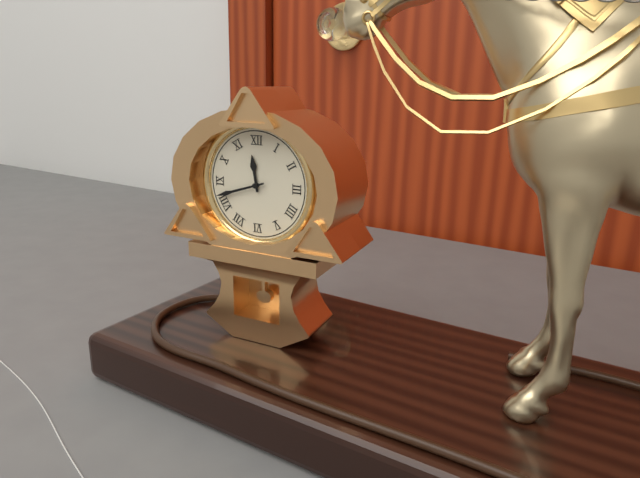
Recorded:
**11:42**
